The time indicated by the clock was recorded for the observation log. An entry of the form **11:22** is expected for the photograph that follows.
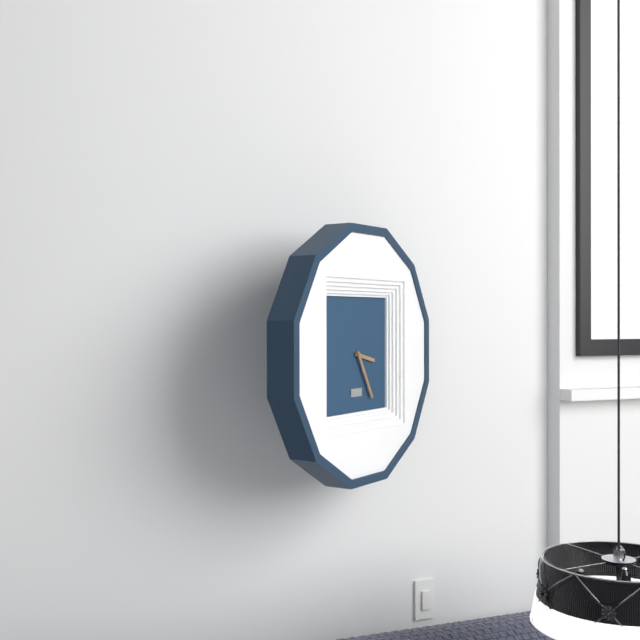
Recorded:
**3:25**
